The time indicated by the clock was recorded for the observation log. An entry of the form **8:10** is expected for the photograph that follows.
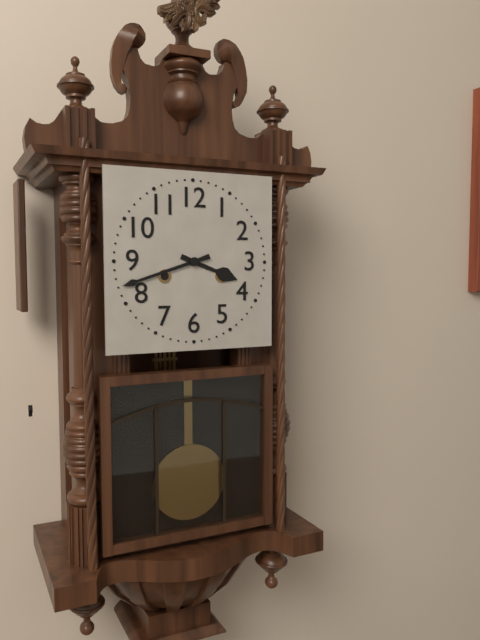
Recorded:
**3:42**
